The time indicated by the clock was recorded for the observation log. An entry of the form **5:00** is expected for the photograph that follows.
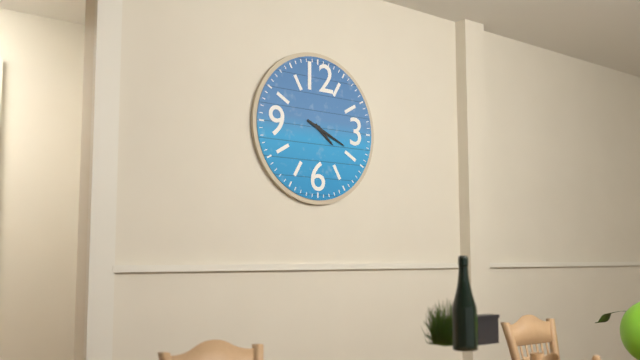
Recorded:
**4:19**
